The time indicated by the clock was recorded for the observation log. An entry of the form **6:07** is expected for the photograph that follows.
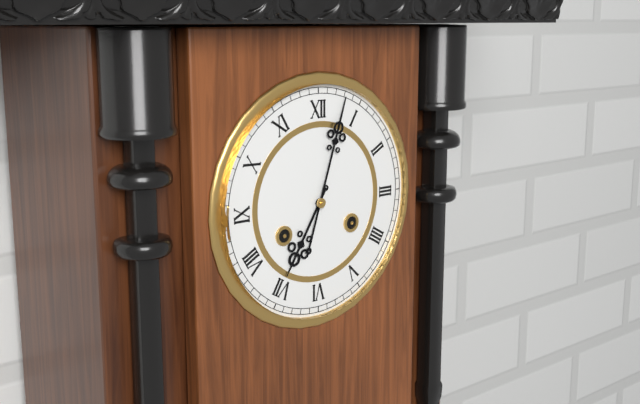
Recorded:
**7:03**
